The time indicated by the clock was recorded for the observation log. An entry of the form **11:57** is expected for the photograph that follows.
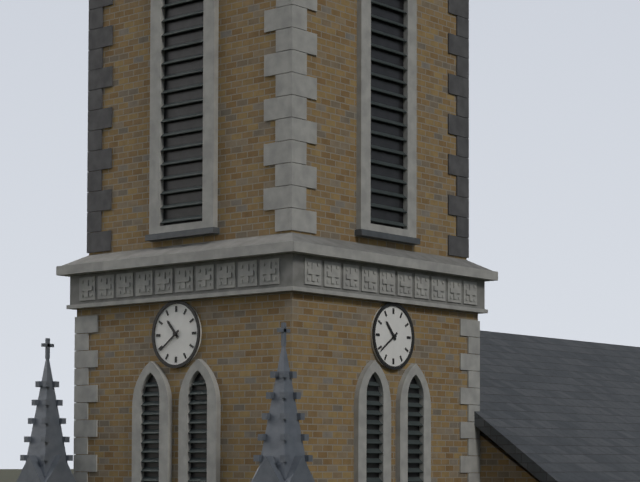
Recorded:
**10:39**
